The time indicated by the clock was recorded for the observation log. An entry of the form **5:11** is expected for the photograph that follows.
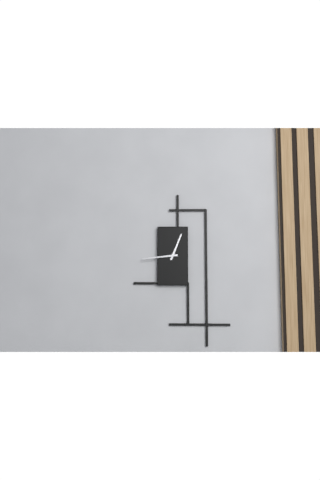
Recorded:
**12:44**
